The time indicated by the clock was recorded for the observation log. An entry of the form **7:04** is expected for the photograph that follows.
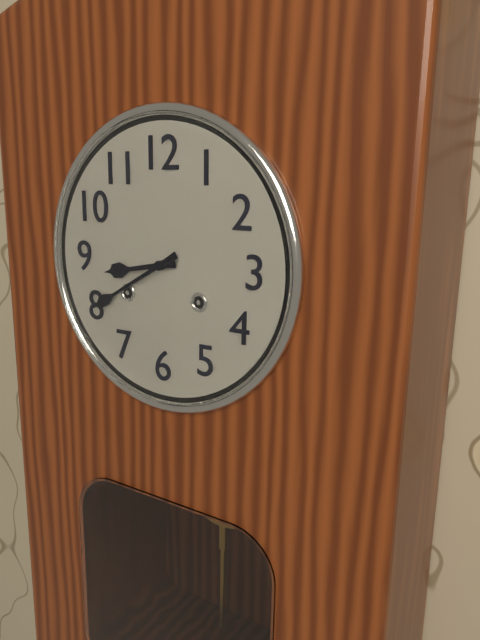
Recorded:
**8:40**
